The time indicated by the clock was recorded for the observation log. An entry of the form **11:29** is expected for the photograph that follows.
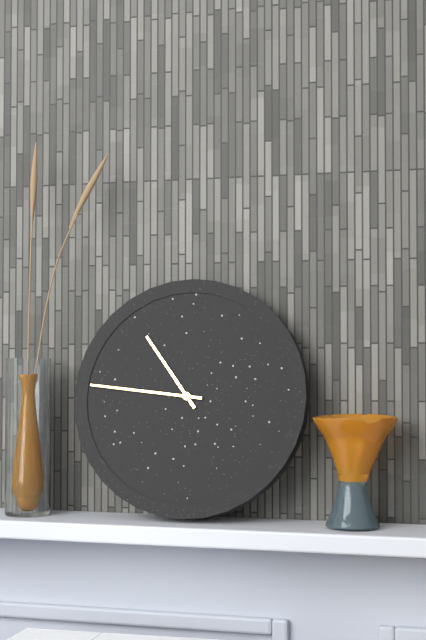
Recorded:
**10:46**
